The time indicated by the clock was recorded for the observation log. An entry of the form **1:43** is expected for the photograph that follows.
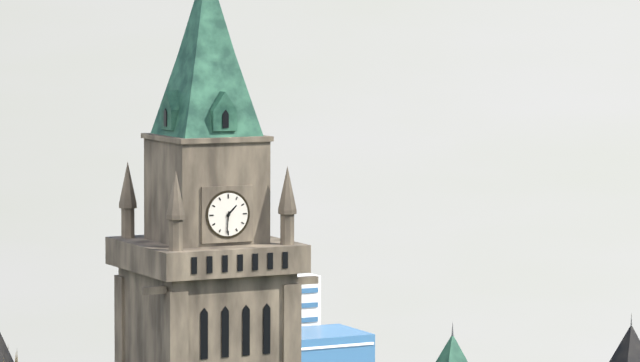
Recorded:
**1:31**
